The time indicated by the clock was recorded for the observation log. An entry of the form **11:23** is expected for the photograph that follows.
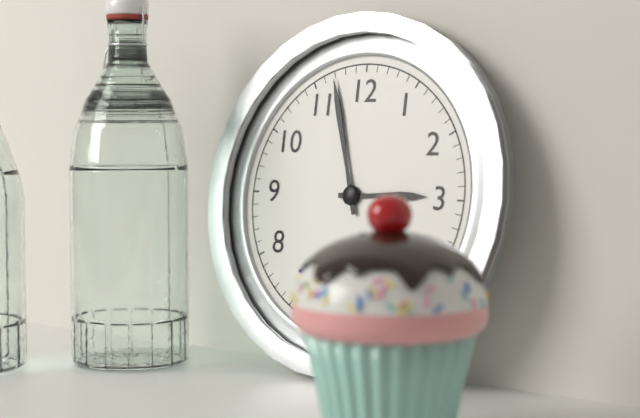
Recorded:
**2:57**
